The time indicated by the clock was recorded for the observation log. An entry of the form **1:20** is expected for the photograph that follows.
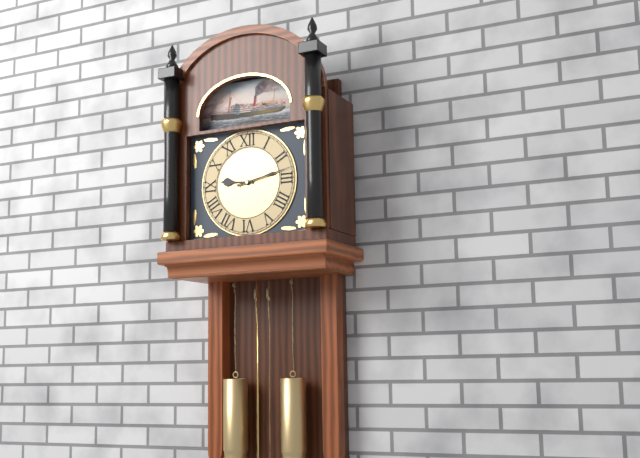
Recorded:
**9:13**
